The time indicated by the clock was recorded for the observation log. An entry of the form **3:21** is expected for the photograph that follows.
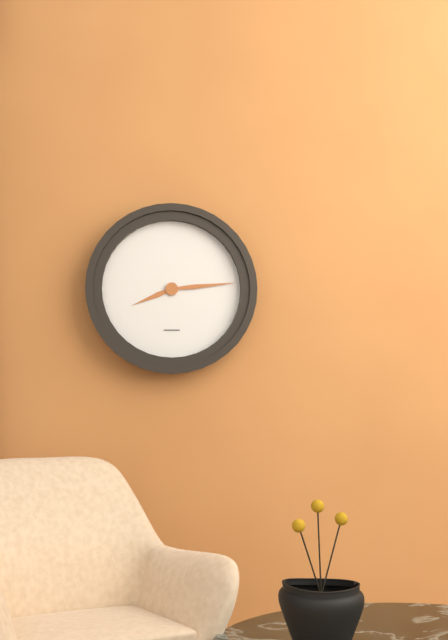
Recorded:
**8:14**
